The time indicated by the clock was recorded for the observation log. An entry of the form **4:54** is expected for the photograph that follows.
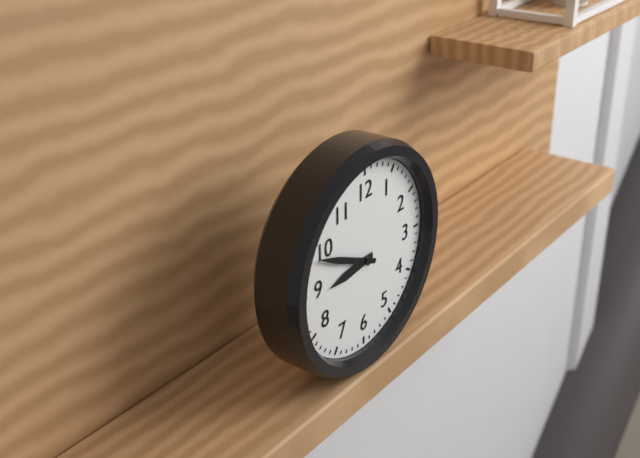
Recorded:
**8:49**
